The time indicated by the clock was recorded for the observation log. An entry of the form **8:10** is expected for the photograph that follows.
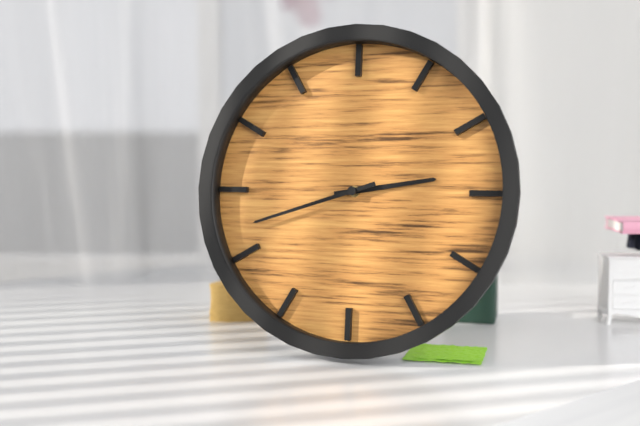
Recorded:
**2:42**
